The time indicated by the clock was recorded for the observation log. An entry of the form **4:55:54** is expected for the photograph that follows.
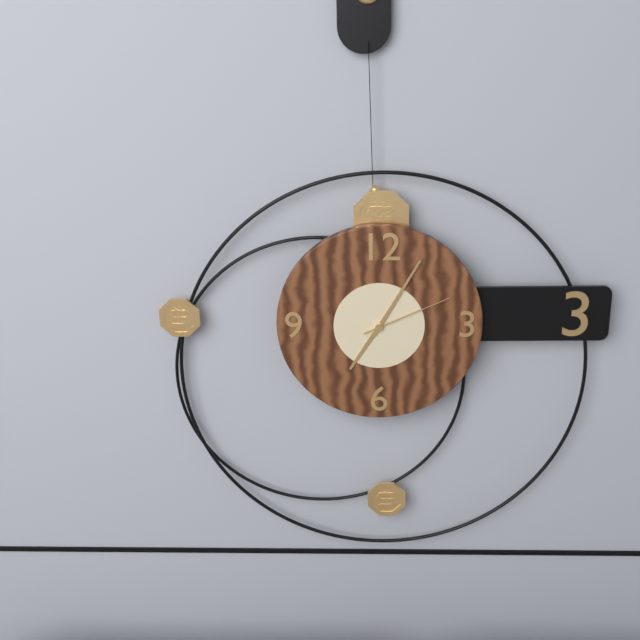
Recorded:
**7:05:11**
